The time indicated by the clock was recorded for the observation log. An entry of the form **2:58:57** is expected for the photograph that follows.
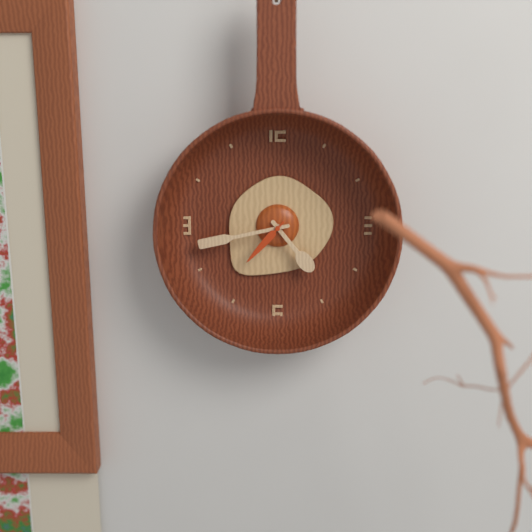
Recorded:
**4:43:37**
